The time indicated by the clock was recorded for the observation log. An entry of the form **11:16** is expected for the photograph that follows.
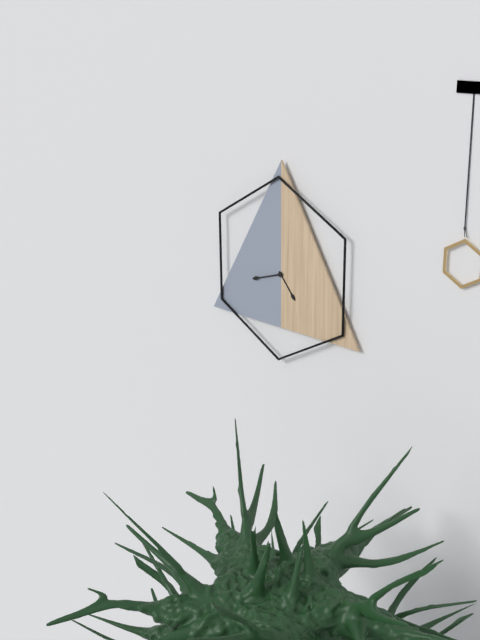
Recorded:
**4:42**
